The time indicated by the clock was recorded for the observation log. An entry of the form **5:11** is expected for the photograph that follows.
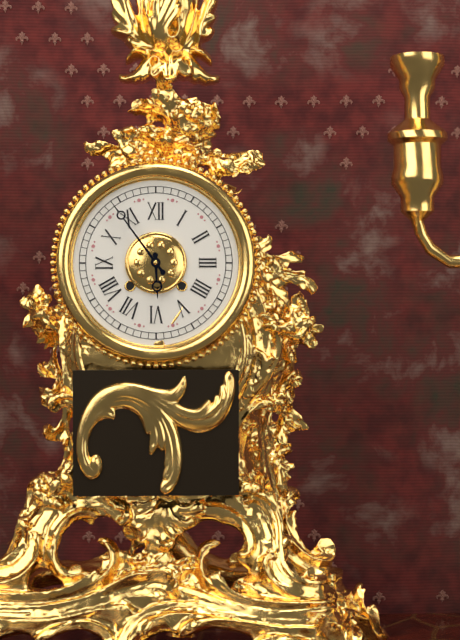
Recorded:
**5:54**
